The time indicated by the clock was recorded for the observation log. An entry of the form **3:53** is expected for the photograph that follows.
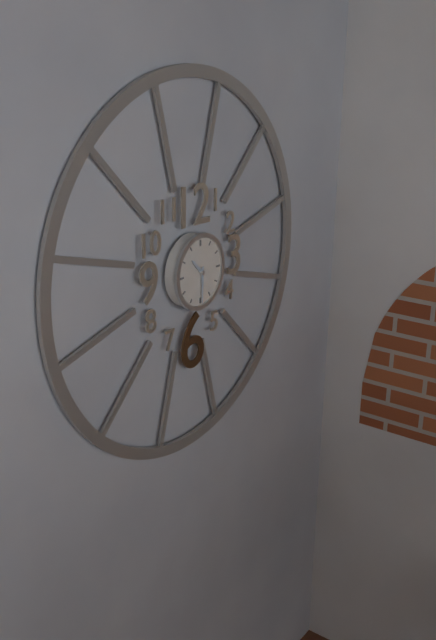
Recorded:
**10:30**
